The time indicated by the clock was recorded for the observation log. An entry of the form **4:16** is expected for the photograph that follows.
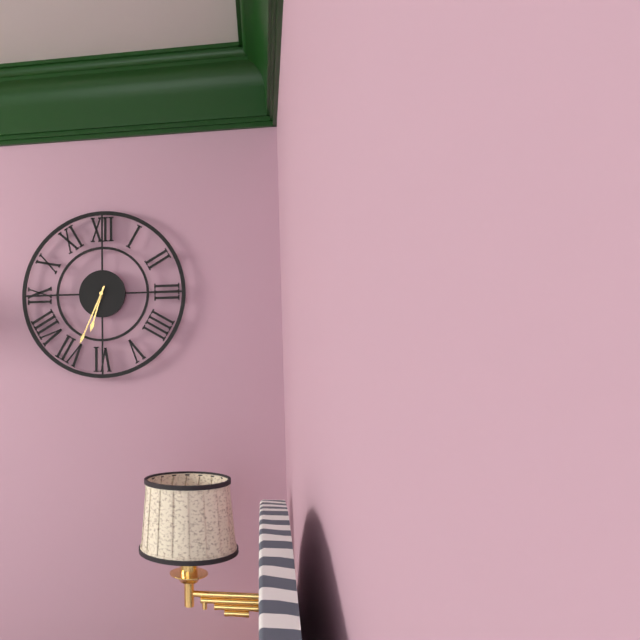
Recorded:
**6:34**
